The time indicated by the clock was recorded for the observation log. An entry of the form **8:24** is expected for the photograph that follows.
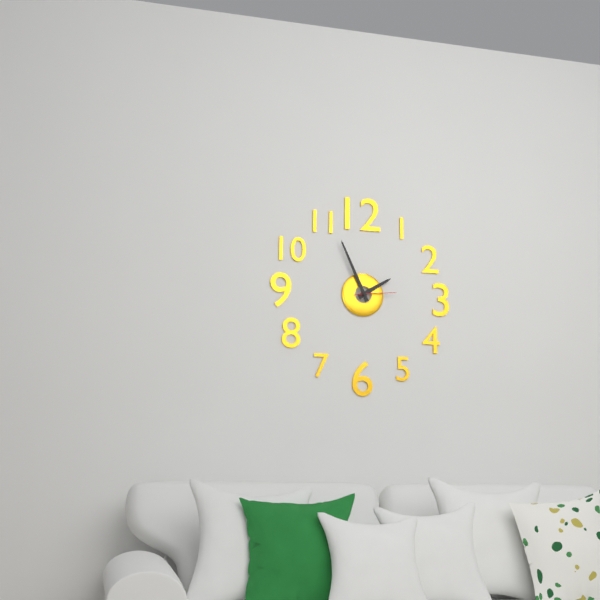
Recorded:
**1:56**
